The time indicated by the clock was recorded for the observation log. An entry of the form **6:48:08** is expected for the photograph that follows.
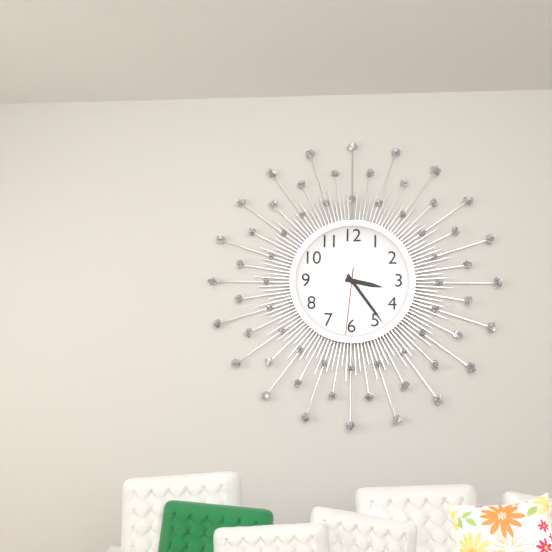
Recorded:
**3:24:31**
